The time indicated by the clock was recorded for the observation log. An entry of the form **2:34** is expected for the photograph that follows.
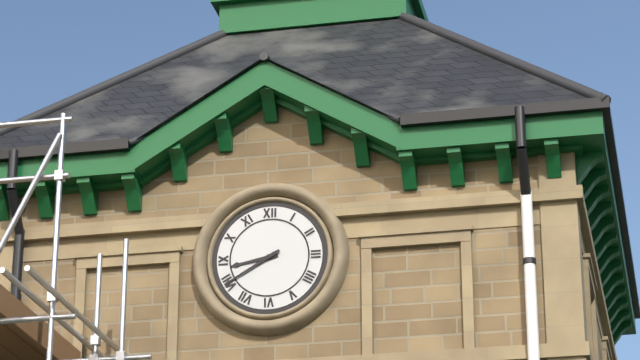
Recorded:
**8:40**
